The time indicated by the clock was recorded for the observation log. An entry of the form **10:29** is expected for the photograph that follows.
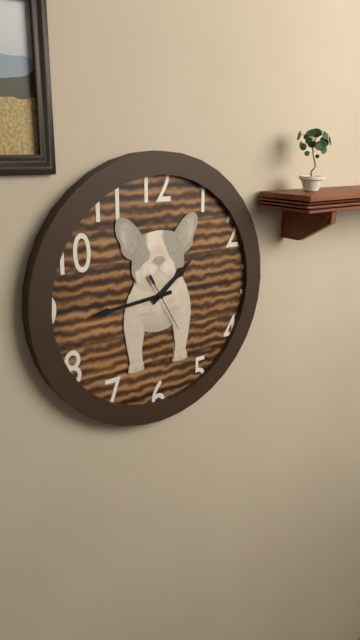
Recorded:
**1:44**
